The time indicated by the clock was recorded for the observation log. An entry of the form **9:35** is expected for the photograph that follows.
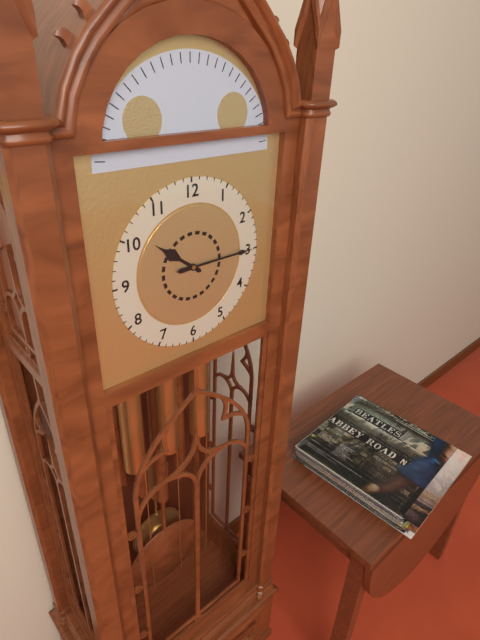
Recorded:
**10:15**
